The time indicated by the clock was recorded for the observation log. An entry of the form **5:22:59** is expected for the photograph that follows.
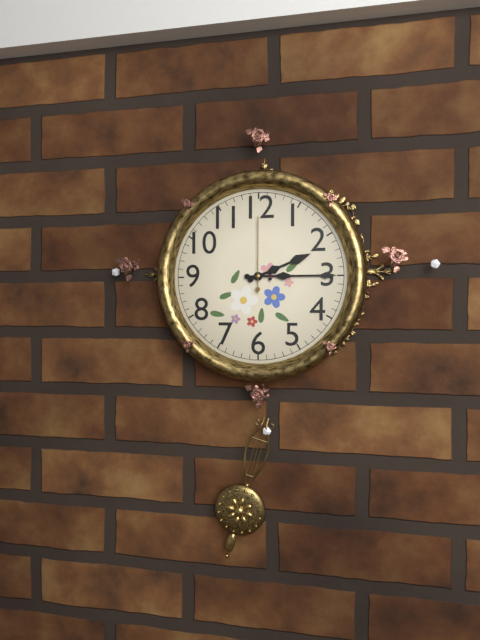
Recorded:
**2:15:00**
